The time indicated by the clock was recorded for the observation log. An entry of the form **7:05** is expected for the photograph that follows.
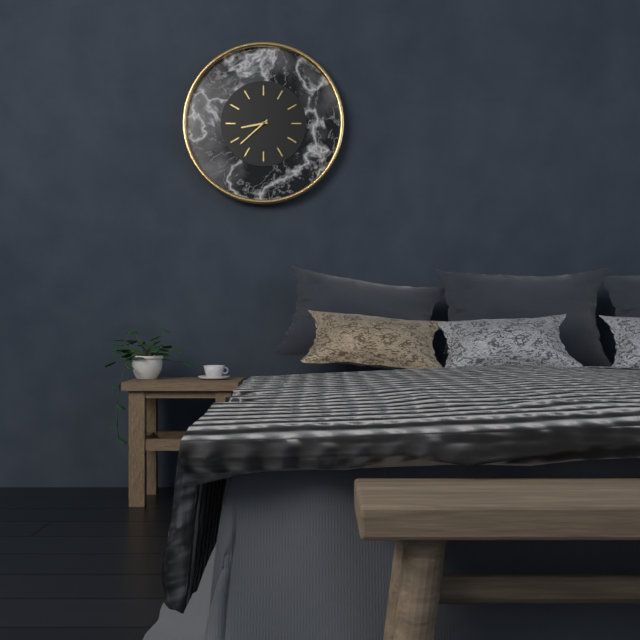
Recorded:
**8:38**
